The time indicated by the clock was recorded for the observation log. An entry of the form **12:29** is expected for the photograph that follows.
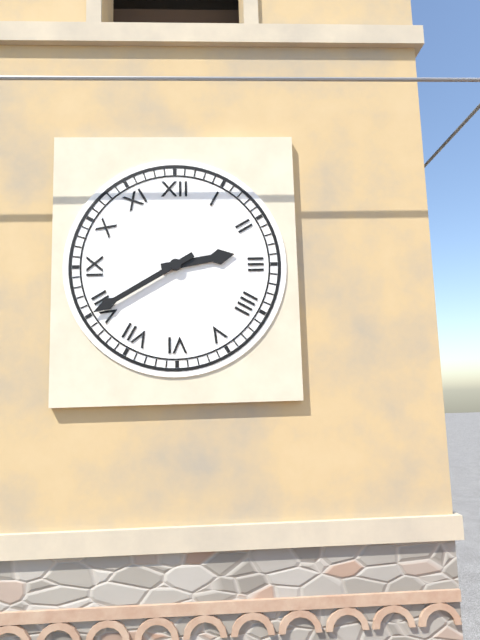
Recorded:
**2:40**
